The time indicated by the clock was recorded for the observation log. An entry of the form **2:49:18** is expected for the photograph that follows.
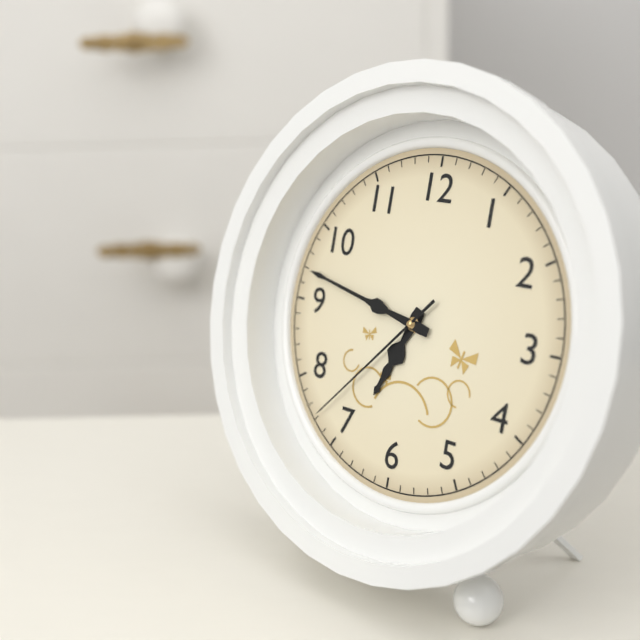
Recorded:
**6:47:37**
